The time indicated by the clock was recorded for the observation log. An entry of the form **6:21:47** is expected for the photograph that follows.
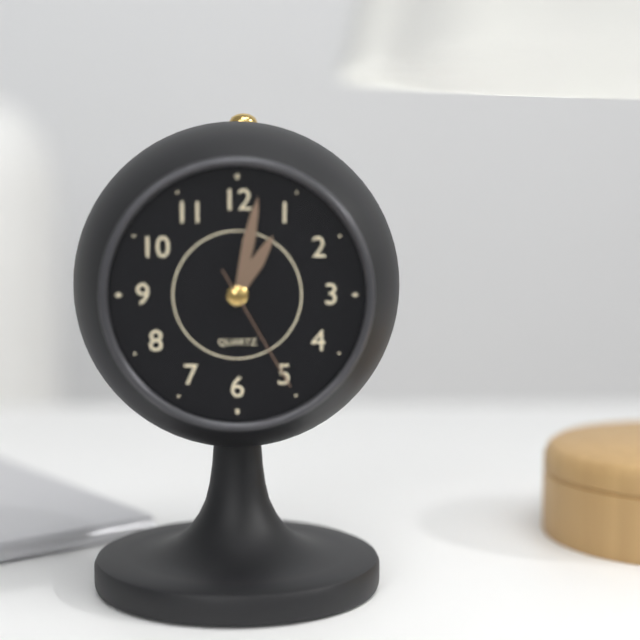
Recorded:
**1:02:25**
